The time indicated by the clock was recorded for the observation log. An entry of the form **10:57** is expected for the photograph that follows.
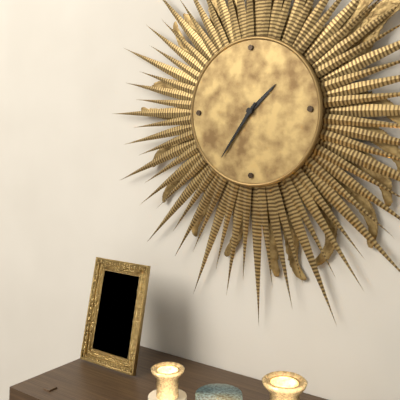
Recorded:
**1:36**
